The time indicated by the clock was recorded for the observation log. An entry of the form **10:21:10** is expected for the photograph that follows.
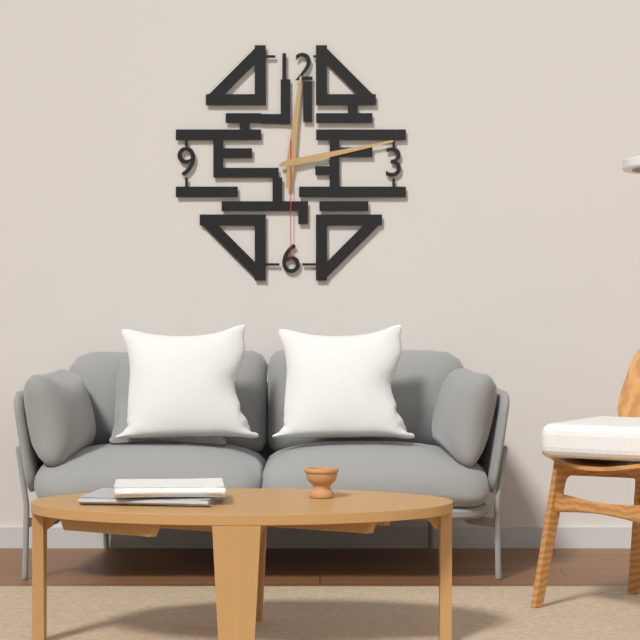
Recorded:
**12:13:30**
